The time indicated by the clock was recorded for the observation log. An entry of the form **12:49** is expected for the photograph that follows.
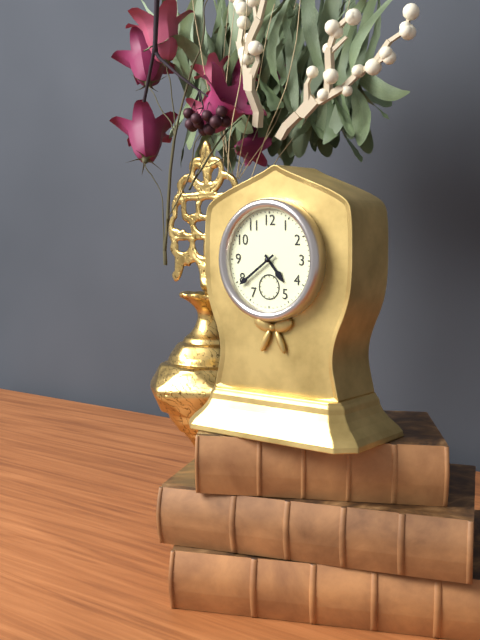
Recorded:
**4:39**
